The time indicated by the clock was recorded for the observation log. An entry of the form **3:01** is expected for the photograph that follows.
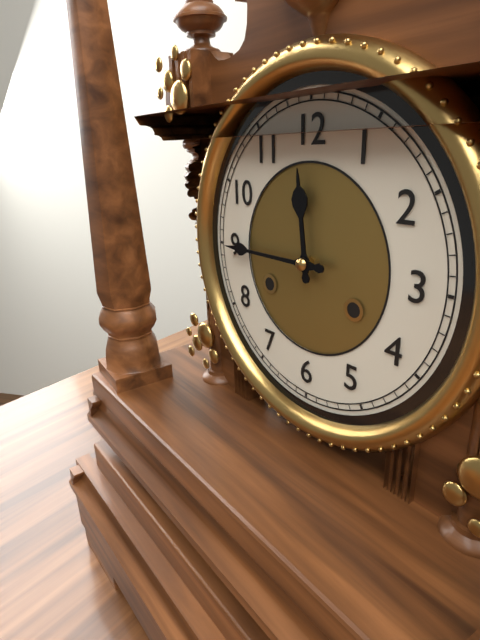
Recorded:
**11:45**
